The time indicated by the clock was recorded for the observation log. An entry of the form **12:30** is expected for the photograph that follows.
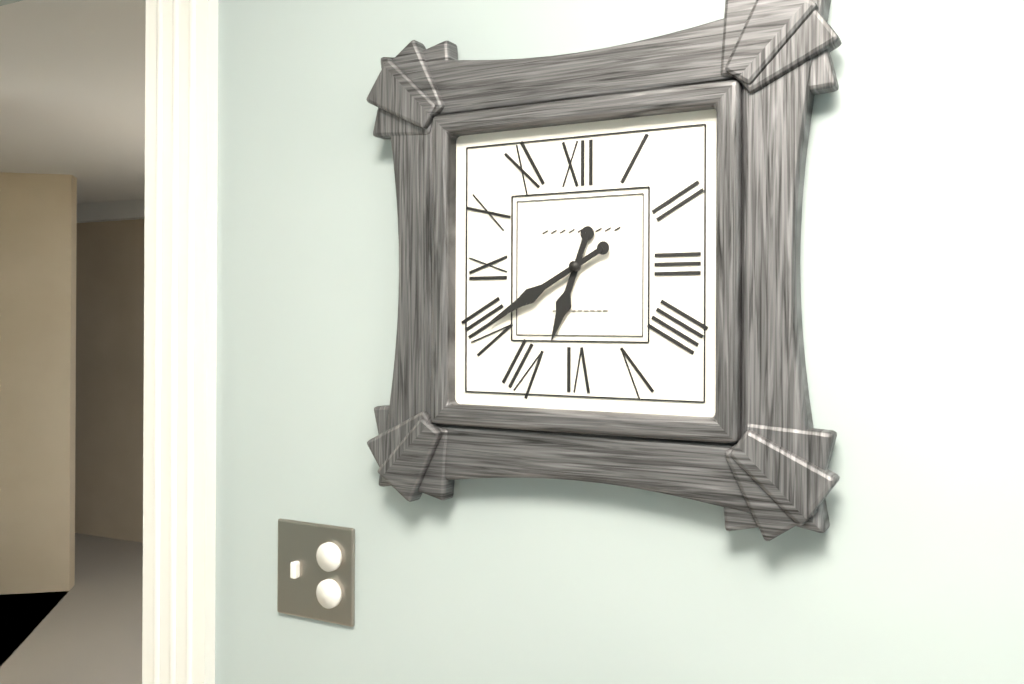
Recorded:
**6:40**
